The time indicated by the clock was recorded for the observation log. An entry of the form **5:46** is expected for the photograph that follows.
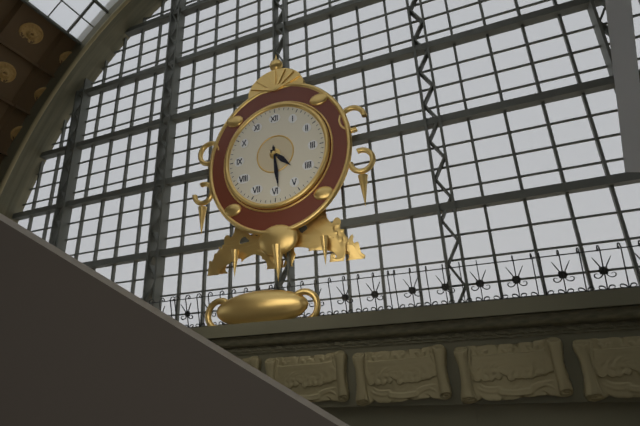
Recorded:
**4:29**
